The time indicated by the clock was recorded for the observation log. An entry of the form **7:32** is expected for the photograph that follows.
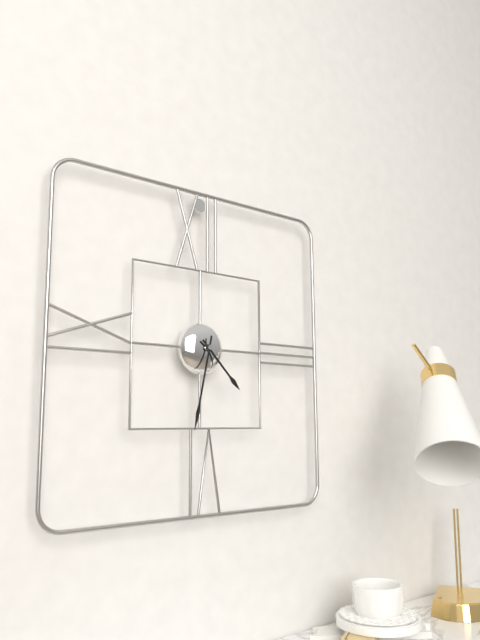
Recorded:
**4:32**
